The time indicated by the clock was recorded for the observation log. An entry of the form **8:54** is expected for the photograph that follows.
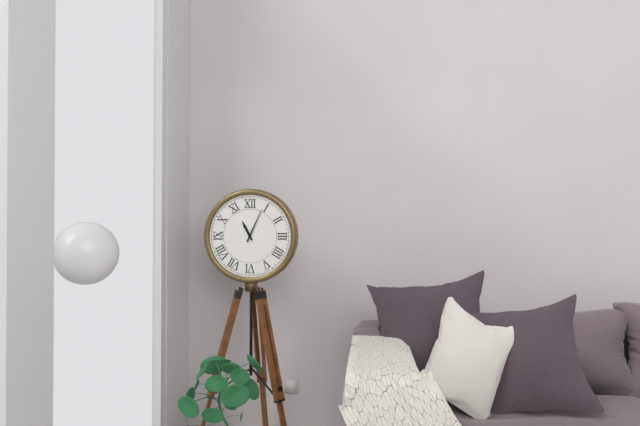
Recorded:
**11:04**
